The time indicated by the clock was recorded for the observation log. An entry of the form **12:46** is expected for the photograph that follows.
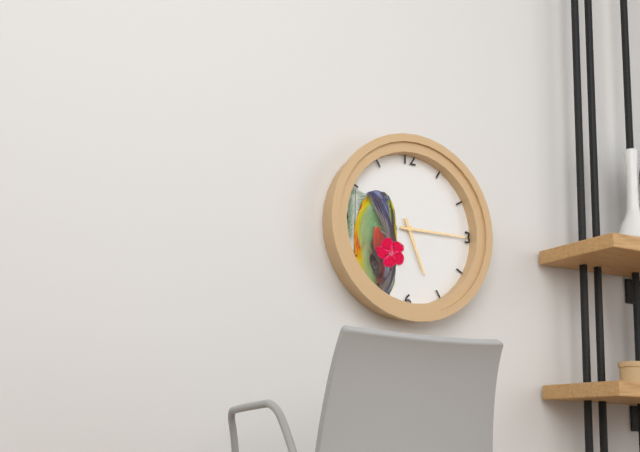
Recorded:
**5:15**
